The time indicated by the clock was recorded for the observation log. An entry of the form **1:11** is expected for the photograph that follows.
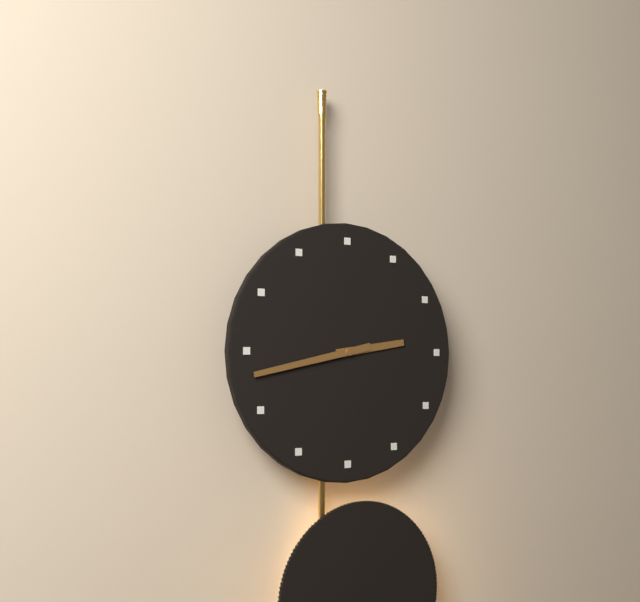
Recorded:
**2:43**
